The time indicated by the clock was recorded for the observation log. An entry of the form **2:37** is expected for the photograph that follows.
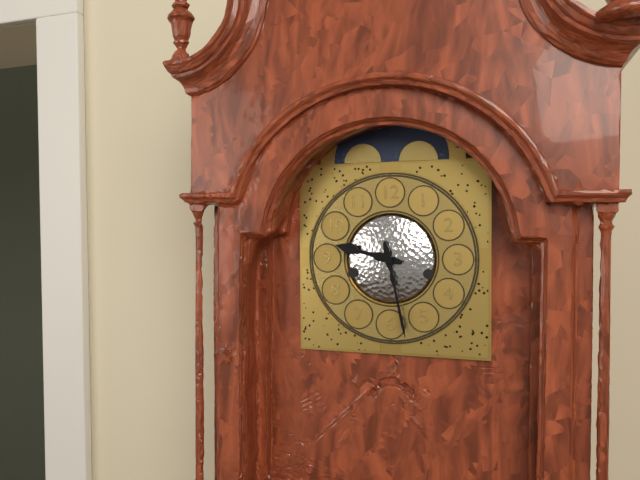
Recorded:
**9:28**
